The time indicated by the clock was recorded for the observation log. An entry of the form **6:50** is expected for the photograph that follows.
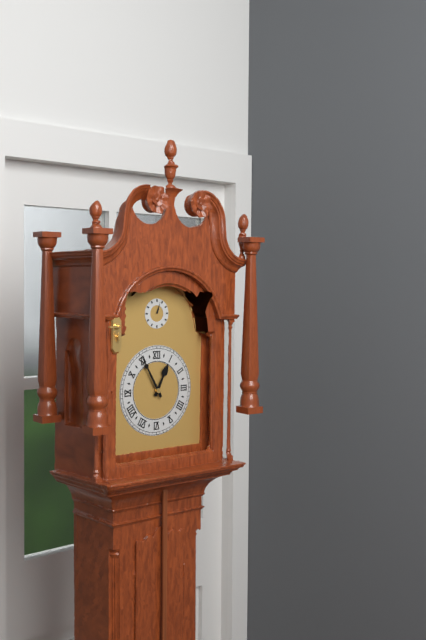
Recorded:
**12:55**
